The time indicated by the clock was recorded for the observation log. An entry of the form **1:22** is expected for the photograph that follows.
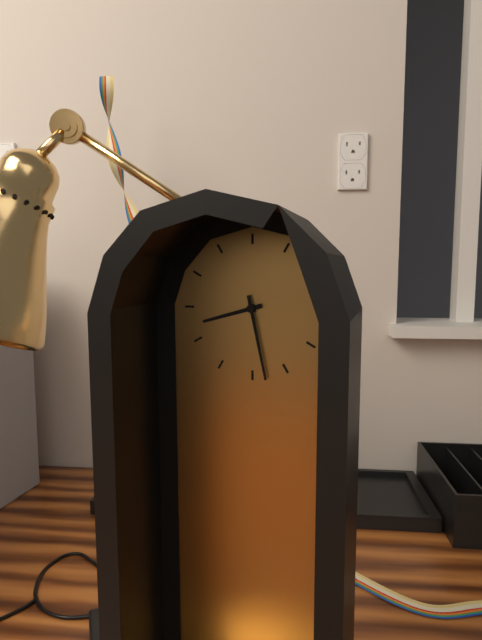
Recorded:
**8:28**
